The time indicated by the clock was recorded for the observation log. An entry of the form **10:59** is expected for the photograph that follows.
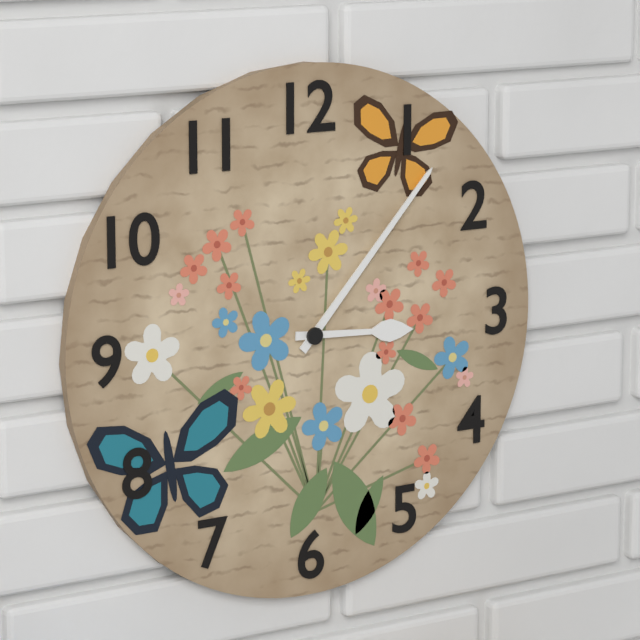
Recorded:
**3:07**
